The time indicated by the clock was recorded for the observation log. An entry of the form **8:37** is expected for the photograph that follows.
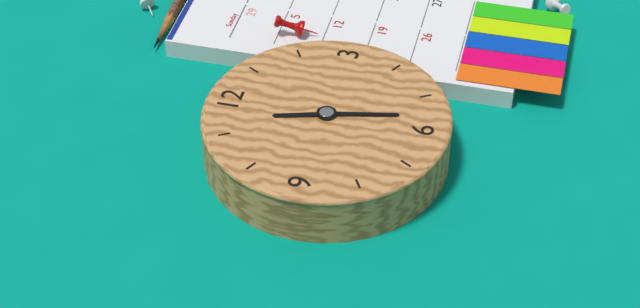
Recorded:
**11:28**
